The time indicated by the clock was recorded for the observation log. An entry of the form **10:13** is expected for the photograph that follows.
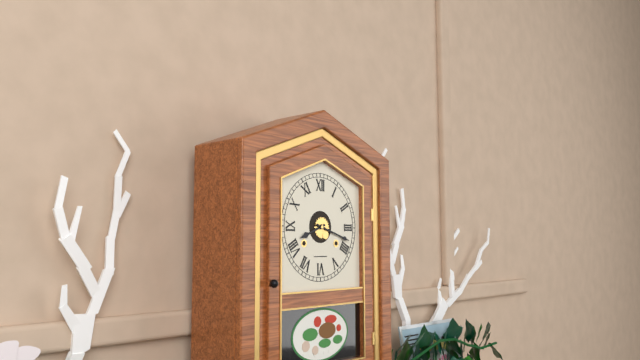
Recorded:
**8:18**
